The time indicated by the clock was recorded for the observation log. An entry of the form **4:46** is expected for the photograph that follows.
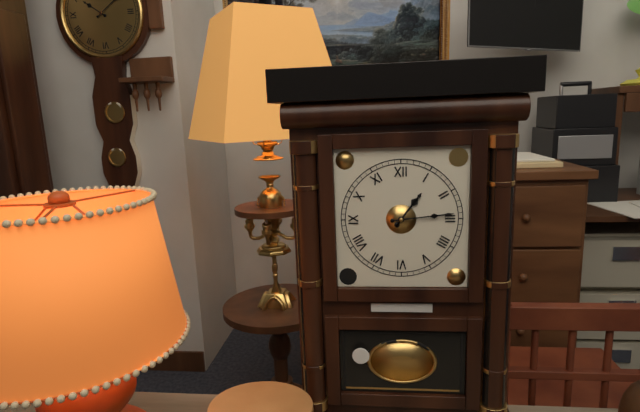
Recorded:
**1:14**
